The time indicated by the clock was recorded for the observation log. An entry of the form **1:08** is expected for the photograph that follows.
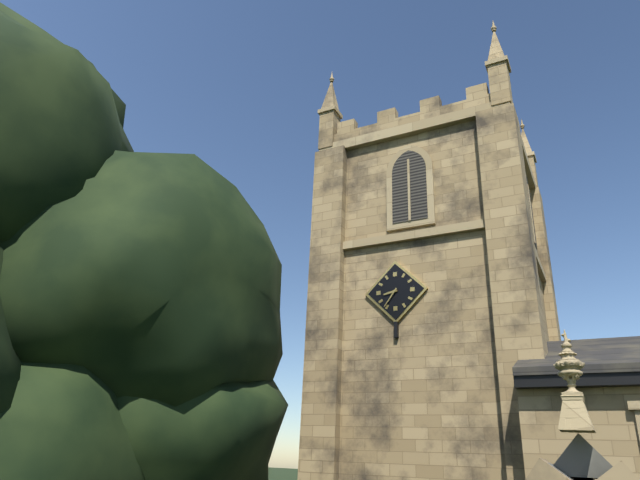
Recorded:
**8:36**
